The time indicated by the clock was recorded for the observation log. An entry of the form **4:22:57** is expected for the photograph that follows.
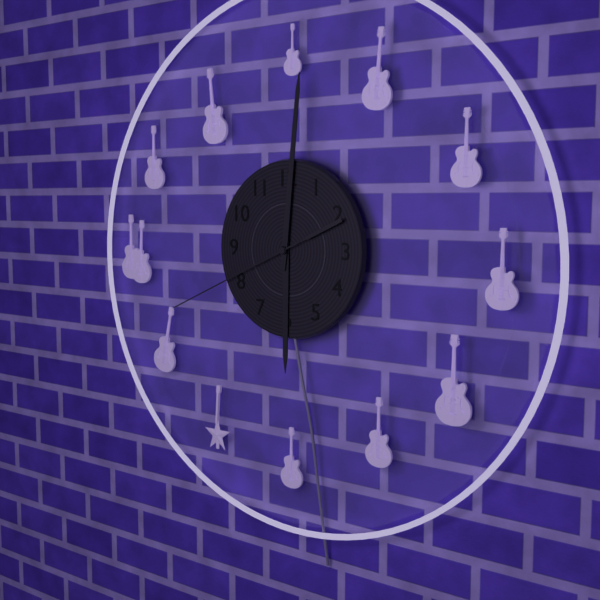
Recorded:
**6:01:41**
